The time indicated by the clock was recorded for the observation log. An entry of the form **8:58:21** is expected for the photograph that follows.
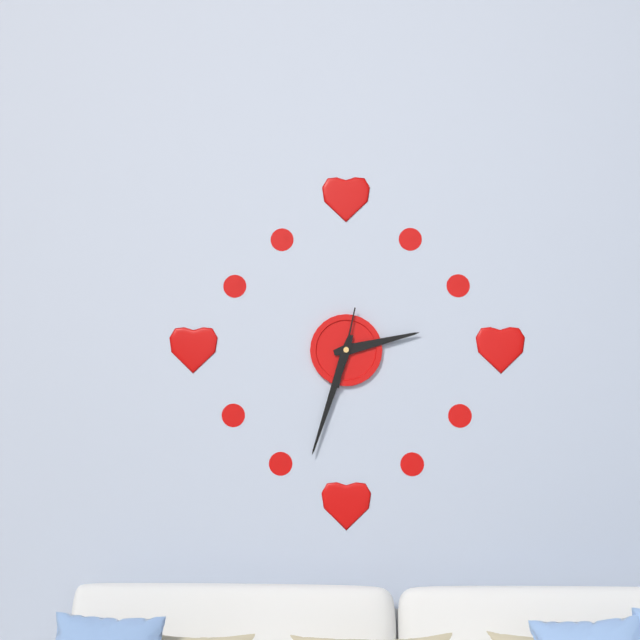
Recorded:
**2:33:02**
